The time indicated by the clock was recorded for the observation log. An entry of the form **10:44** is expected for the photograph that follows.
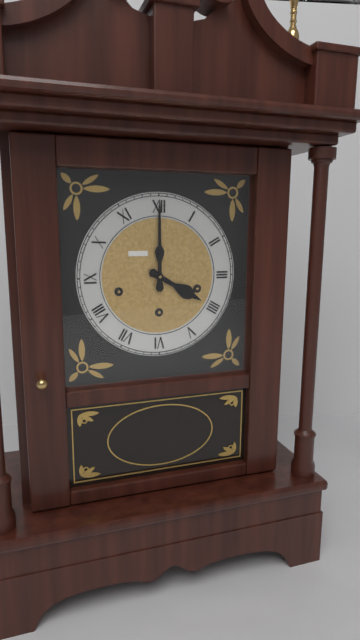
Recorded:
**4:00**
